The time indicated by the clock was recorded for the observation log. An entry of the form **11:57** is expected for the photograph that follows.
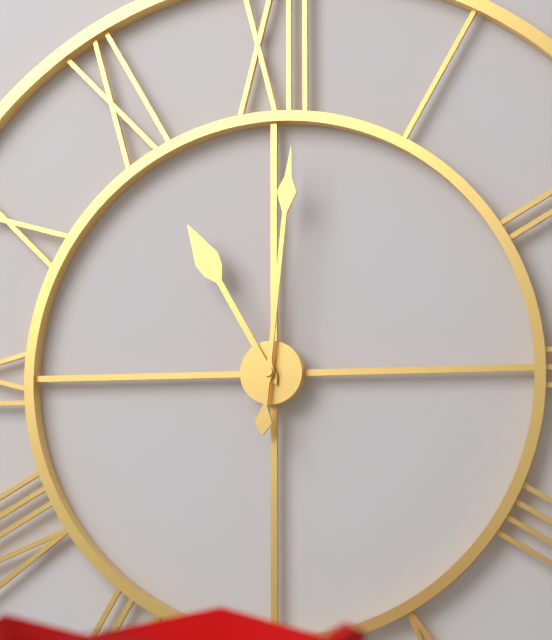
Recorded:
**11:01**
